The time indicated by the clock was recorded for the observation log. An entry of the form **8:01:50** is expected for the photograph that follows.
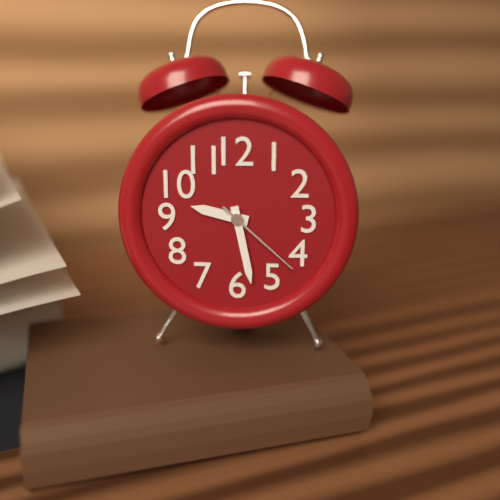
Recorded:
**9:28:22**
